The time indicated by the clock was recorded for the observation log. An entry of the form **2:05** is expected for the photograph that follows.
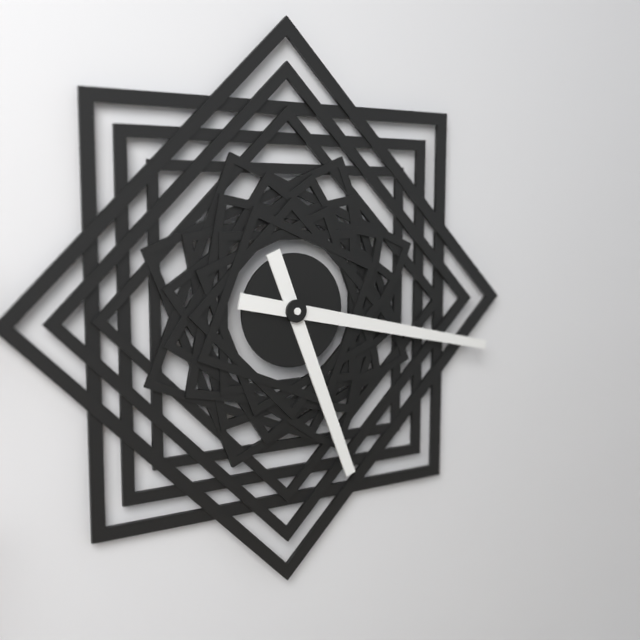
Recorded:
**5:17**
